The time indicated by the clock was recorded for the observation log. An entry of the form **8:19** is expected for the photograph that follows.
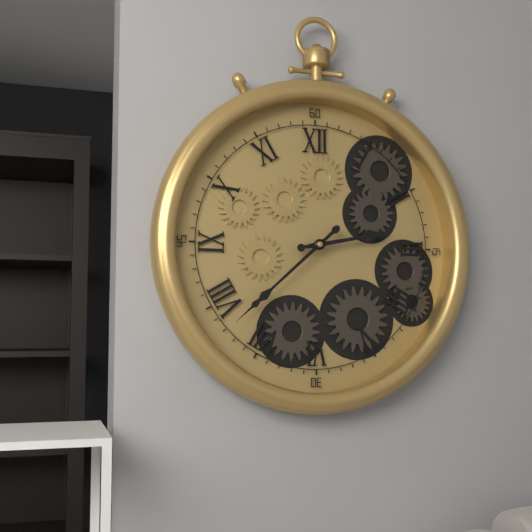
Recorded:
**2:38**
